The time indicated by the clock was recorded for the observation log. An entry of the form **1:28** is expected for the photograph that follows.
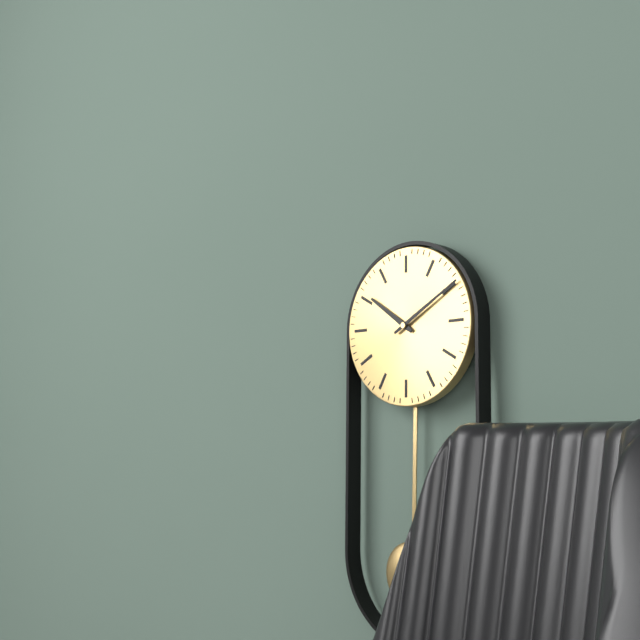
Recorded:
**10:10**
